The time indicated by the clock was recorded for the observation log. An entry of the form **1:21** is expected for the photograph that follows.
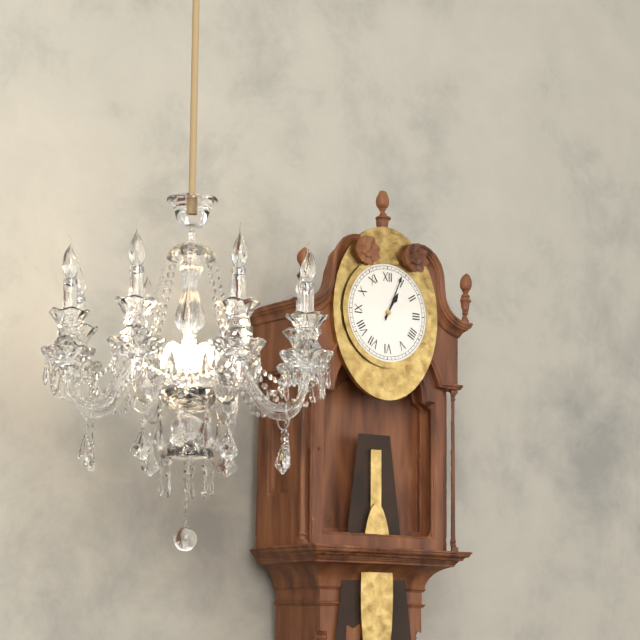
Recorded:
**1:04**
